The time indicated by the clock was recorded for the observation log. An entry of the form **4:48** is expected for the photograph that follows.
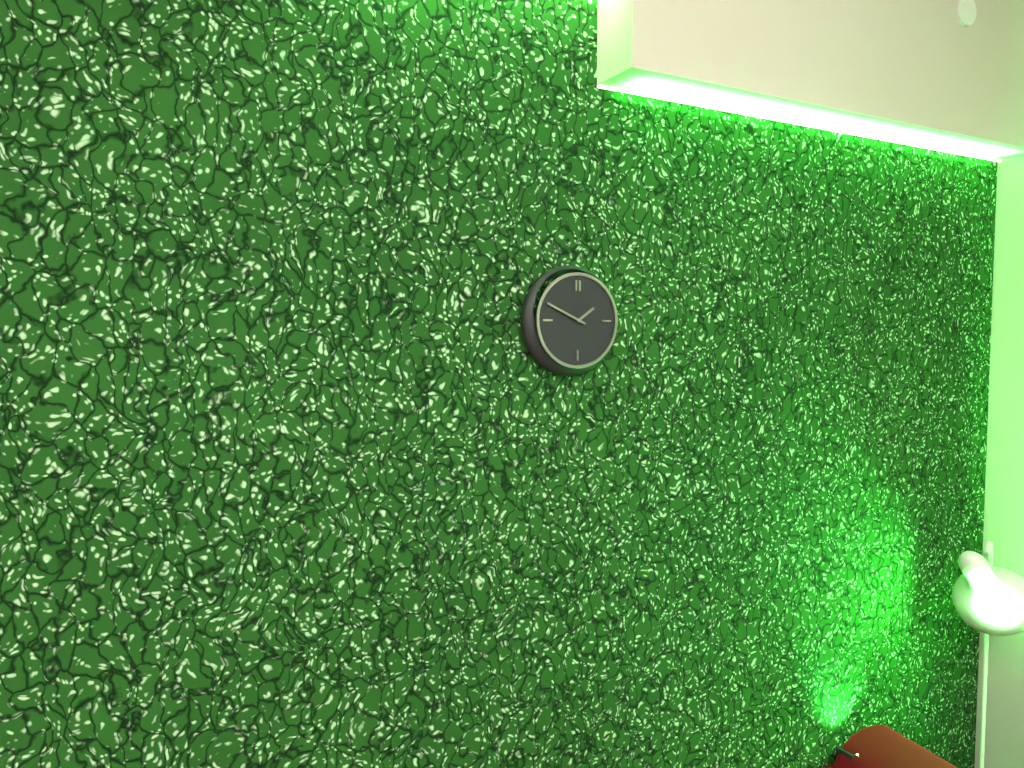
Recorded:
**1:49**
